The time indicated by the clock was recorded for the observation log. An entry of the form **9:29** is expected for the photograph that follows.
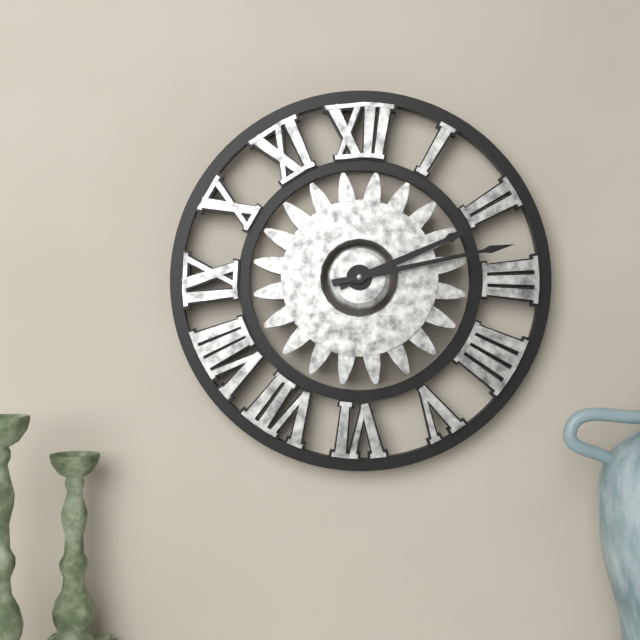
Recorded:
**2:13**
